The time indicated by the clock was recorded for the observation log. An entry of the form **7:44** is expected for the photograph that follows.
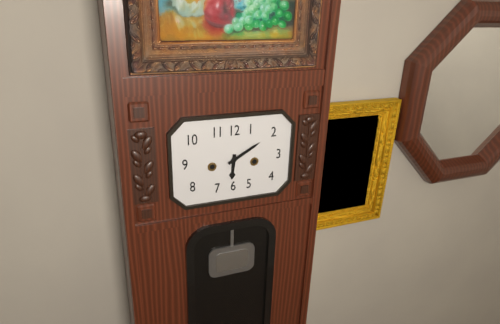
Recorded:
**6:10**
